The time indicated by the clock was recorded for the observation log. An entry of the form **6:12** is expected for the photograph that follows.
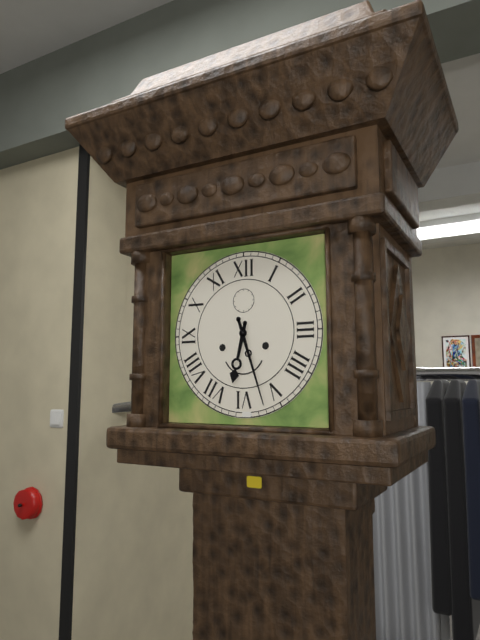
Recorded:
**6:27**
